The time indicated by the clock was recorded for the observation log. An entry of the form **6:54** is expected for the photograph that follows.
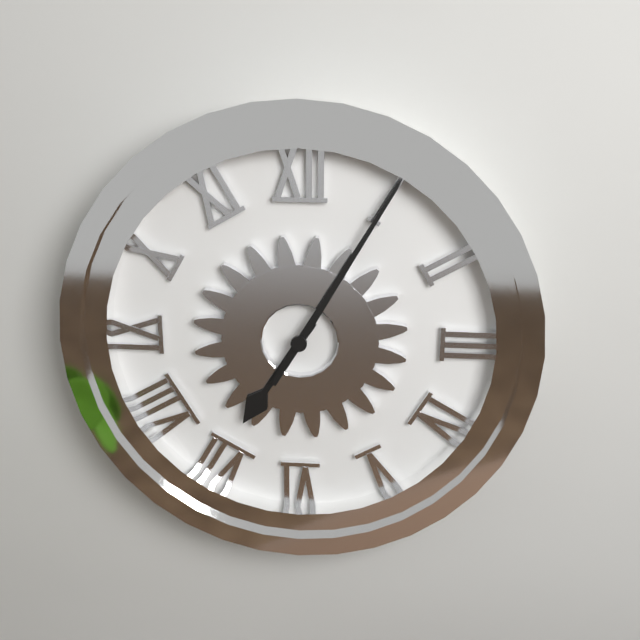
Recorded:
**7:05**
